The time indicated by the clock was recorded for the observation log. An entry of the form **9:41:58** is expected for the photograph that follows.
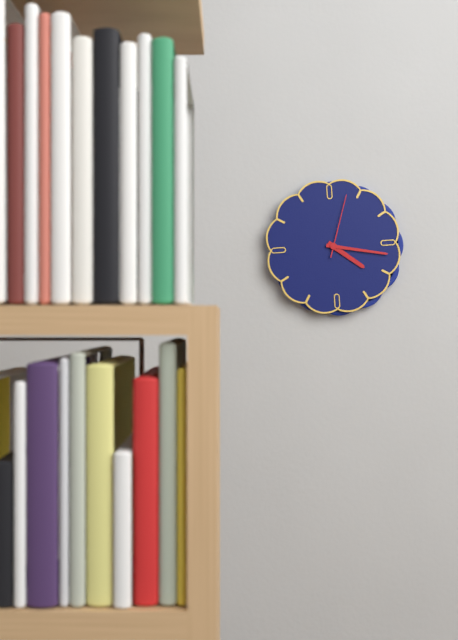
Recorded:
**4:17:03**
